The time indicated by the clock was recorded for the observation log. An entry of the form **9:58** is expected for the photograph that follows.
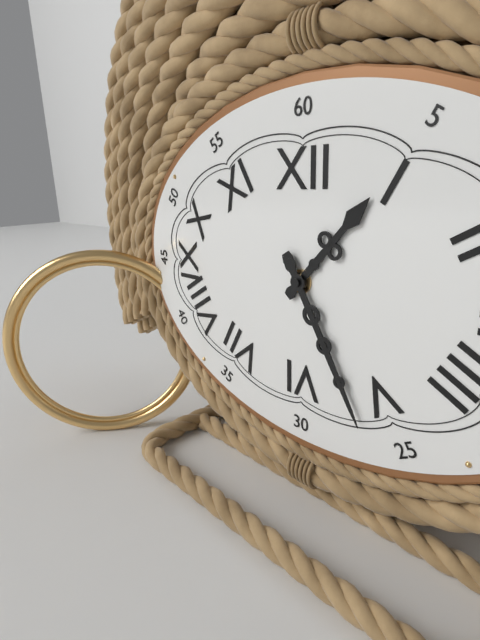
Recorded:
**1:25**
